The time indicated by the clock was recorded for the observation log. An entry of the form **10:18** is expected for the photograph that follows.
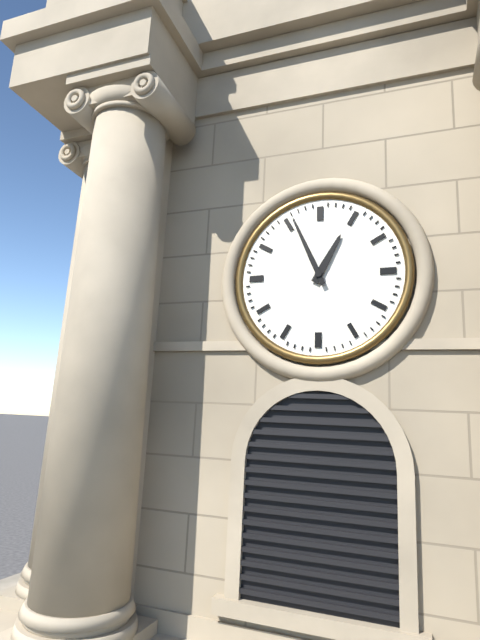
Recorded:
**12:56**
